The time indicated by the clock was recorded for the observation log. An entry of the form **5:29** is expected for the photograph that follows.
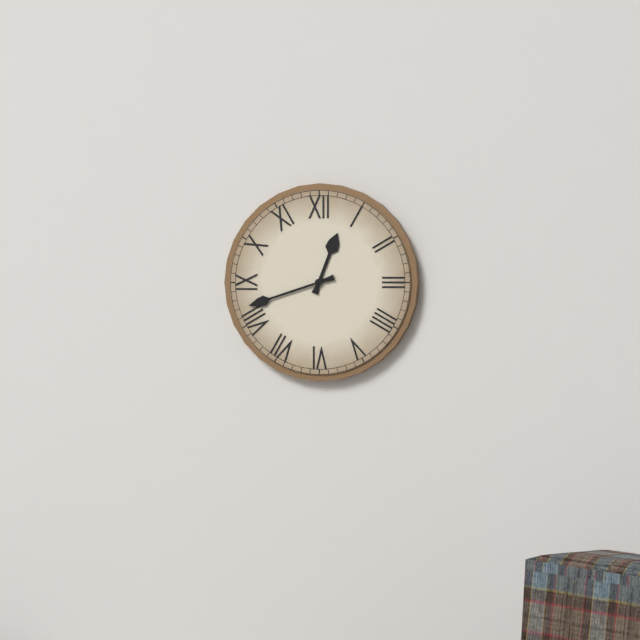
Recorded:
**12:42**
